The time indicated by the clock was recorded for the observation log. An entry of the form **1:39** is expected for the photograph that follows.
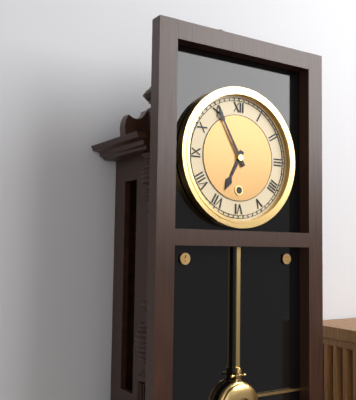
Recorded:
**6:55**
